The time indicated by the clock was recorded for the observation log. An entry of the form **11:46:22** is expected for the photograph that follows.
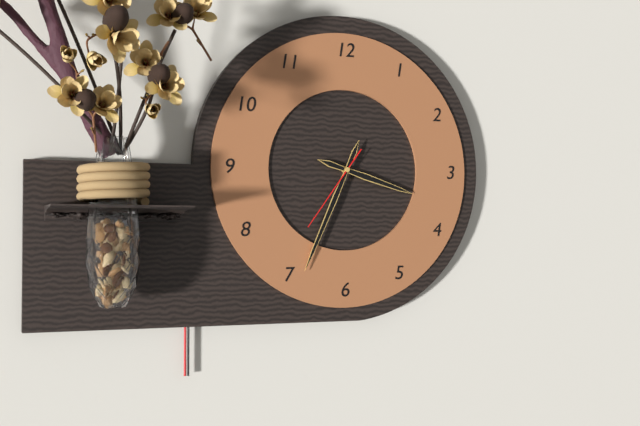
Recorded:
**3:34:36**
